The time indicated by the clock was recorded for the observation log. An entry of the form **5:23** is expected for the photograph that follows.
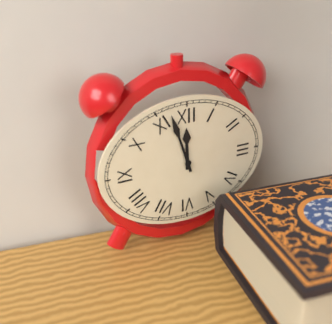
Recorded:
**11:57**
